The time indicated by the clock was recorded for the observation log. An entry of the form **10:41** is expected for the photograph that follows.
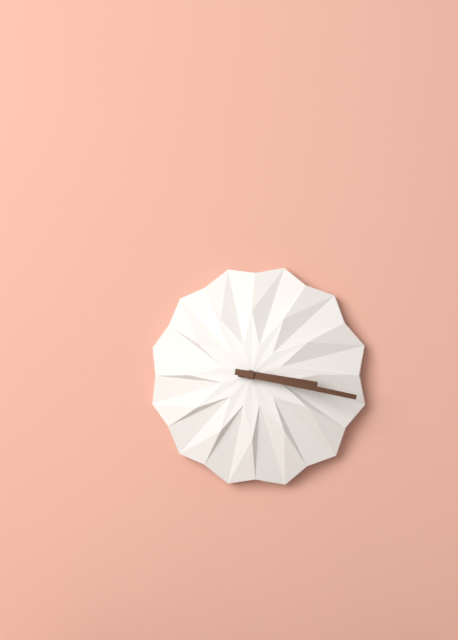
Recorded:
**3:17**
